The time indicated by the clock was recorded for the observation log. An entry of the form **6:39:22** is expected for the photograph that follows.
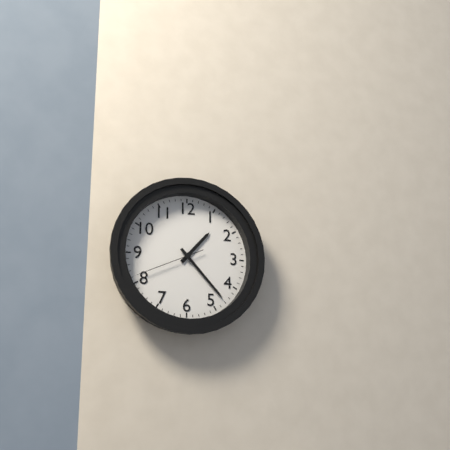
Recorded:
**1:23:41**
